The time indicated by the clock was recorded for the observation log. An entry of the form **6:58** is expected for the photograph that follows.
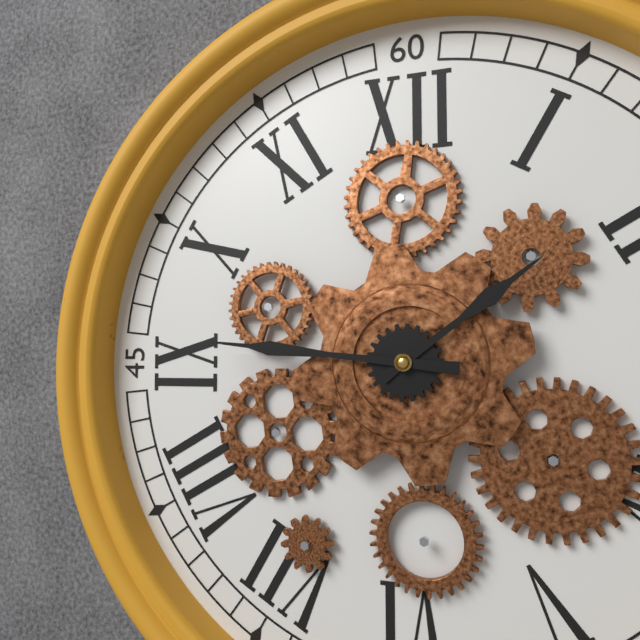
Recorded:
**1:46**
